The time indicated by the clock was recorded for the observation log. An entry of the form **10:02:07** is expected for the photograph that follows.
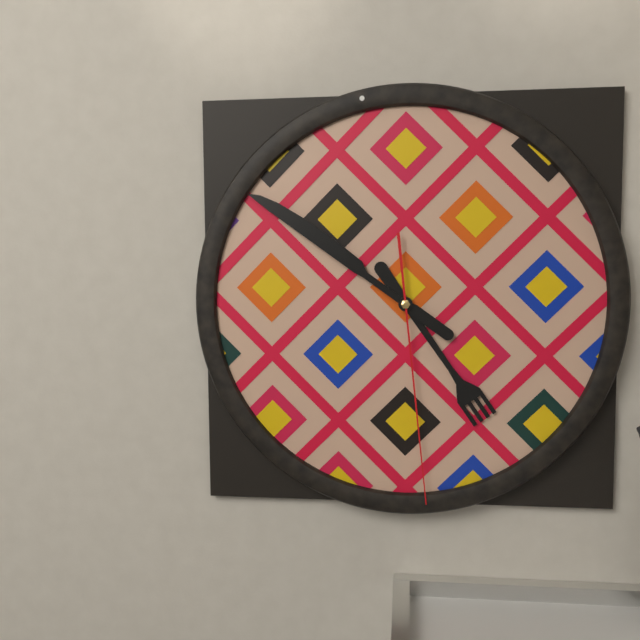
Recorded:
**4:51:29**
